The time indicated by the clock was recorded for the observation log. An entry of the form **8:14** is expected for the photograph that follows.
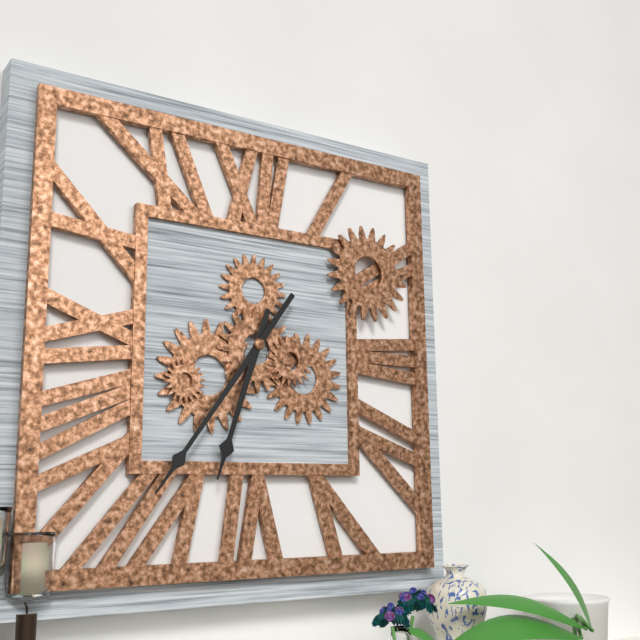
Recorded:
**6:36**
